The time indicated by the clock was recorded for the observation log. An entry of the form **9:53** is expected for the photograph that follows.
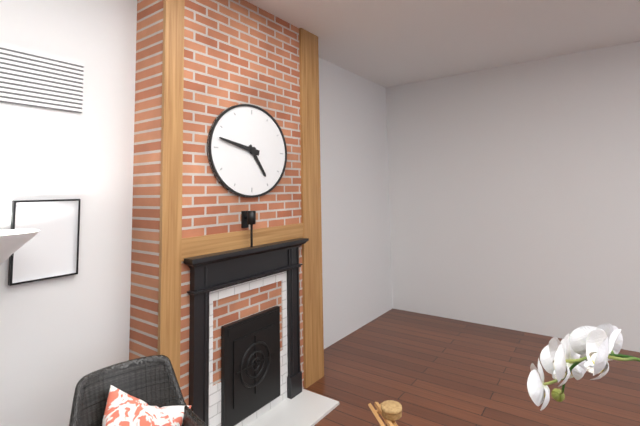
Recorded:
**4:47**
